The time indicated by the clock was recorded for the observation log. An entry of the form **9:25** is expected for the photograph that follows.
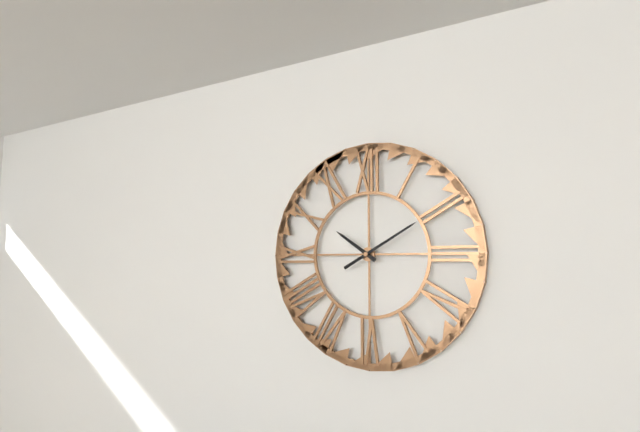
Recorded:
**10:10**
